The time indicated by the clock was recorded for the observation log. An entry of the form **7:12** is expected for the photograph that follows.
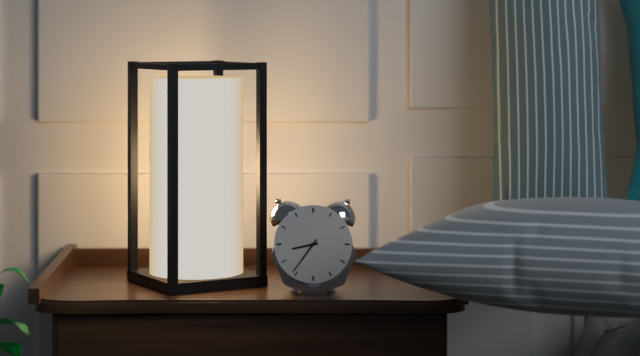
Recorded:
**8:36**
